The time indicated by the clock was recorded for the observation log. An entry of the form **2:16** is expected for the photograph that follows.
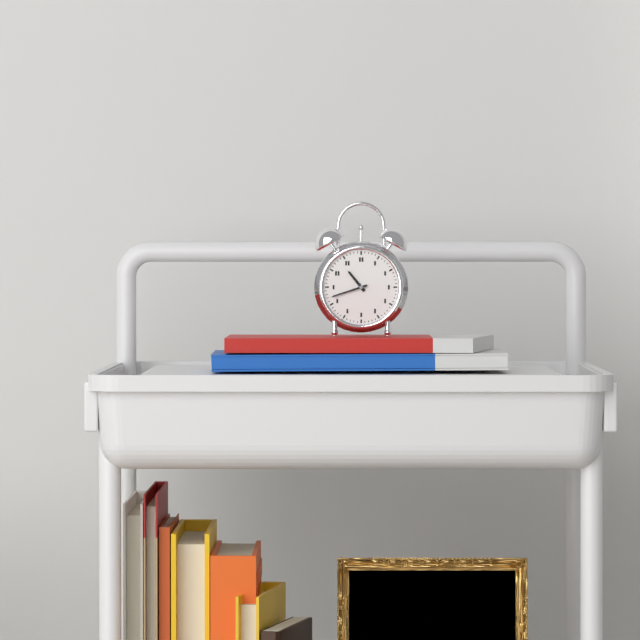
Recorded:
**10:42**
